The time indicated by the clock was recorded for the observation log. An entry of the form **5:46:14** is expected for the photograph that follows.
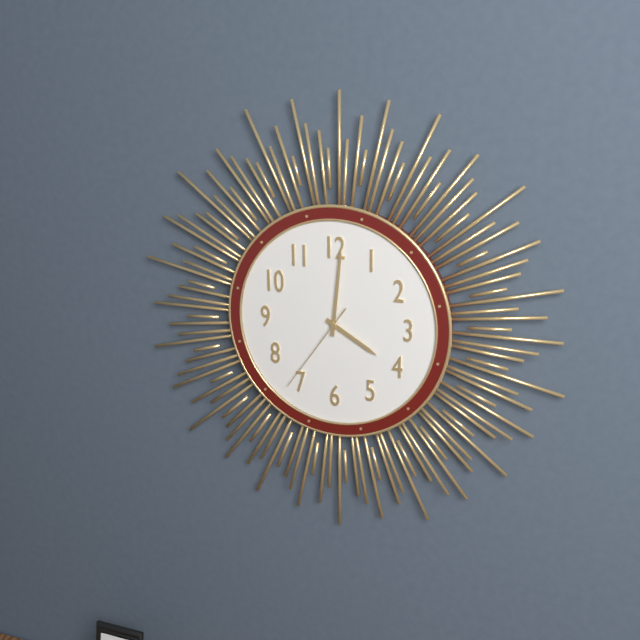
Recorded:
**4:01:36**
